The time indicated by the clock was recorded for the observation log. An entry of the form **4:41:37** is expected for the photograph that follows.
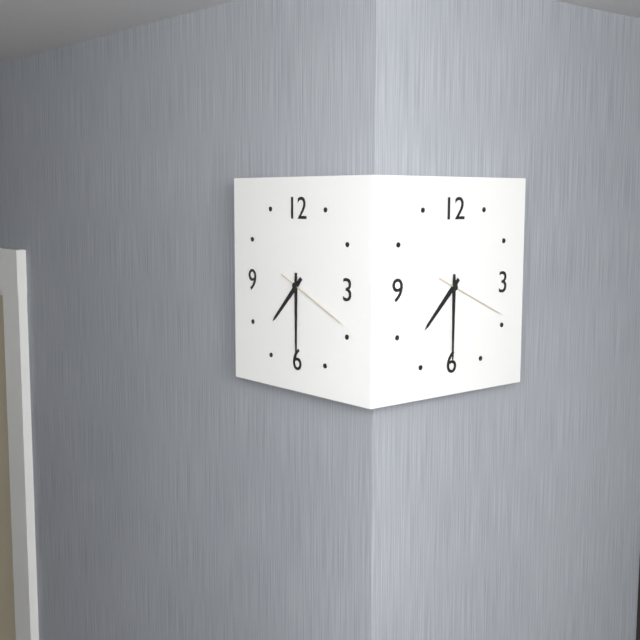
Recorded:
**7:30:19**
